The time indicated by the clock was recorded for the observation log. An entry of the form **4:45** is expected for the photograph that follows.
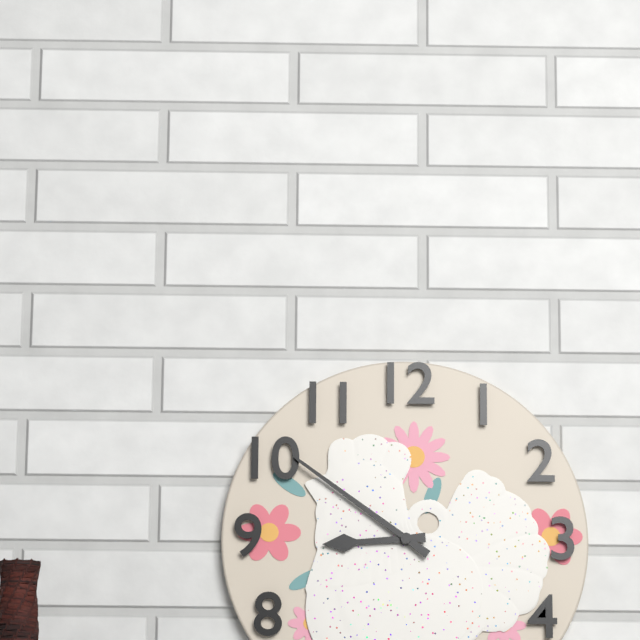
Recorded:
**8:51**
